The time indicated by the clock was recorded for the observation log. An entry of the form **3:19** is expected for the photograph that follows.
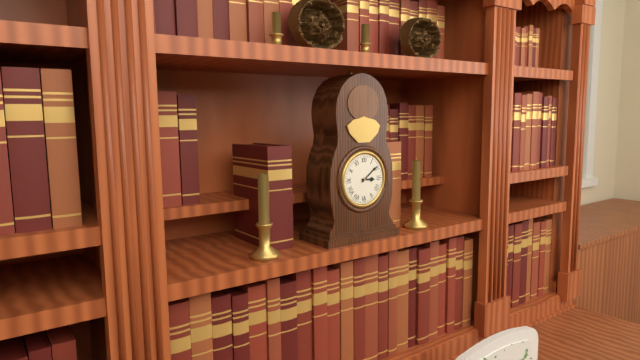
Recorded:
**3:09**
